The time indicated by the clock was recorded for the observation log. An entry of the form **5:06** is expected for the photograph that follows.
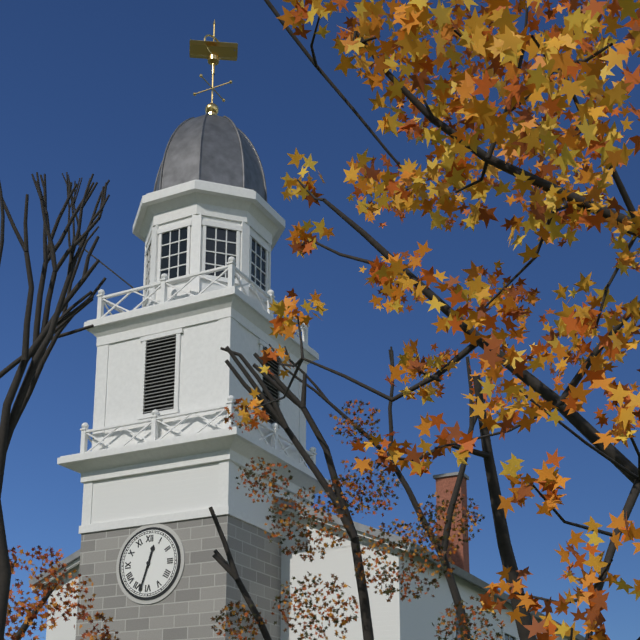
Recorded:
**12:33**
